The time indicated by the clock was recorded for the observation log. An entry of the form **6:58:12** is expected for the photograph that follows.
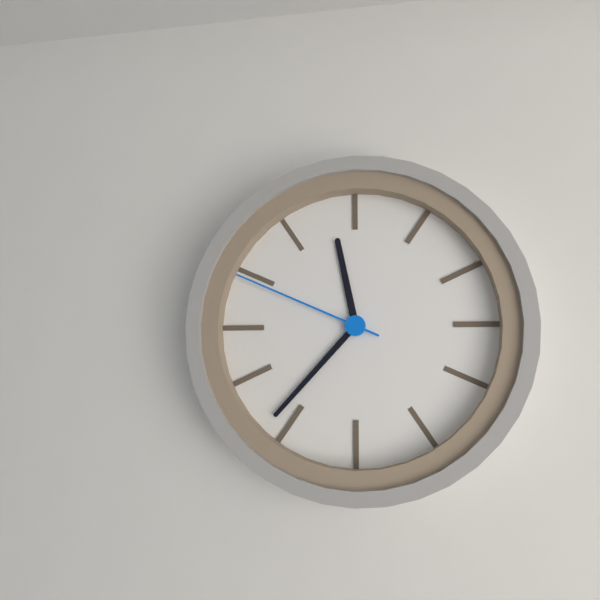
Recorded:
**11:37:49**
